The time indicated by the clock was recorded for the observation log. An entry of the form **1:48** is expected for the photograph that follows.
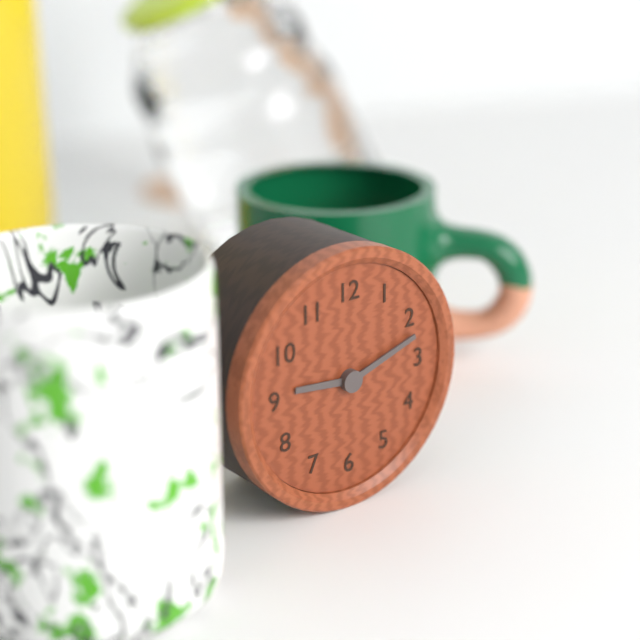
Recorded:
**9:12**
